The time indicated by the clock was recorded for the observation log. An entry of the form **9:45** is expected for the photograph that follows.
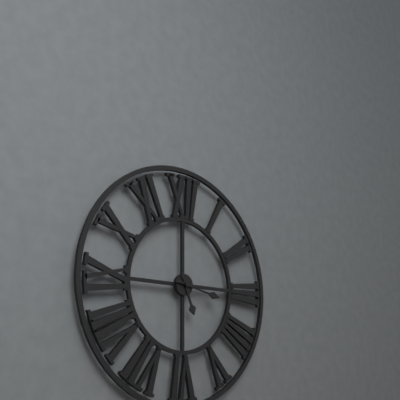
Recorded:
**5:17**
